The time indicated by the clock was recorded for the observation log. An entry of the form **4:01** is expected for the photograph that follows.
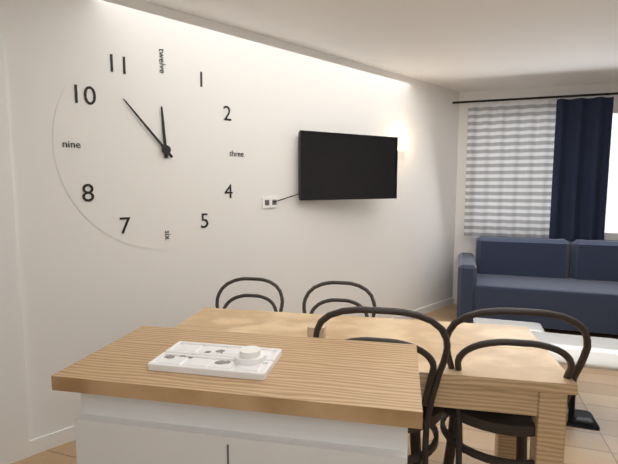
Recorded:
**11:53**
